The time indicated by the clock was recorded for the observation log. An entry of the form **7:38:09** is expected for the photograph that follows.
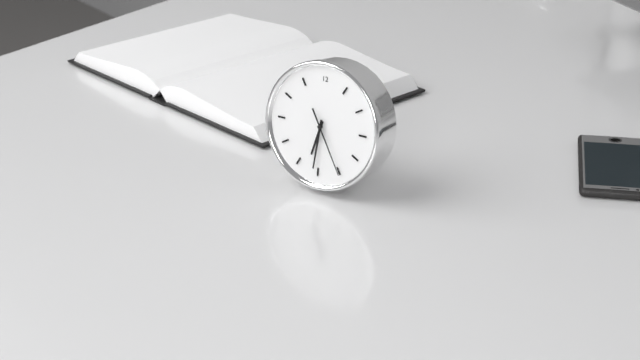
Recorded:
**6:31:25**
